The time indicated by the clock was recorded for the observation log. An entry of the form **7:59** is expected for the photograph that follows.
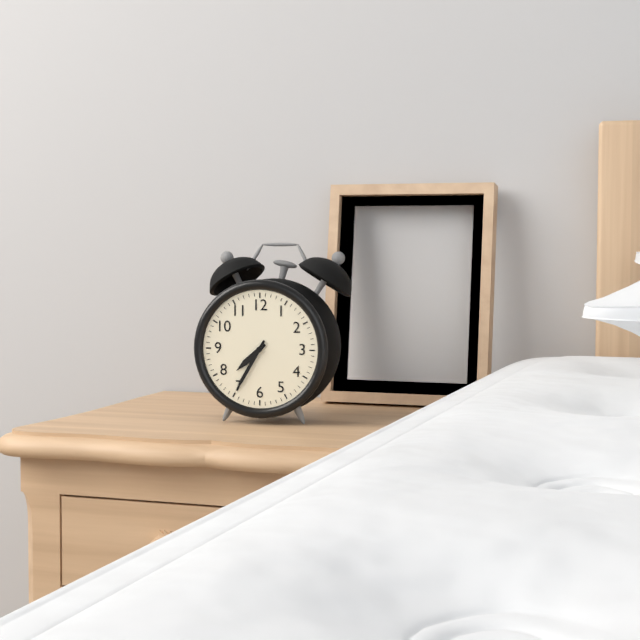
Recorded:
**7:35**
